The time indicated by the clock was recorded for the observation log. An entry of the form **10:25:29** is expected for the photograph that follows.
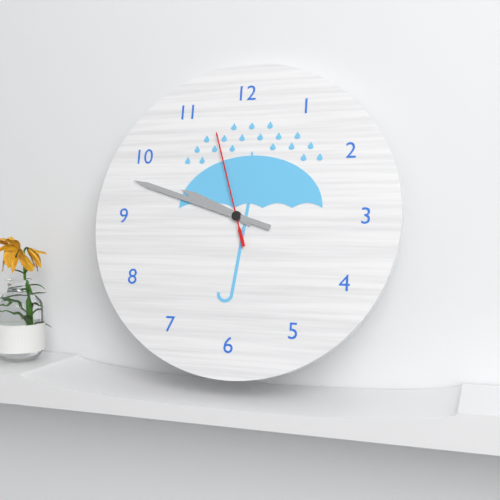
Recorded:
**9:48:57**
